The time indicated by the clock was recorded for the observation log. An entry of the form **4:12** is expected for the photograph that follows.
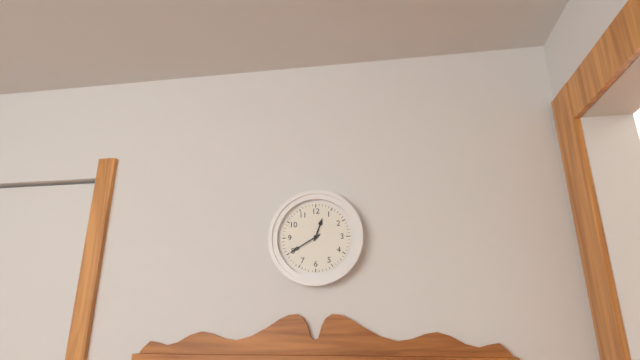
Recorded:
**12:40**
